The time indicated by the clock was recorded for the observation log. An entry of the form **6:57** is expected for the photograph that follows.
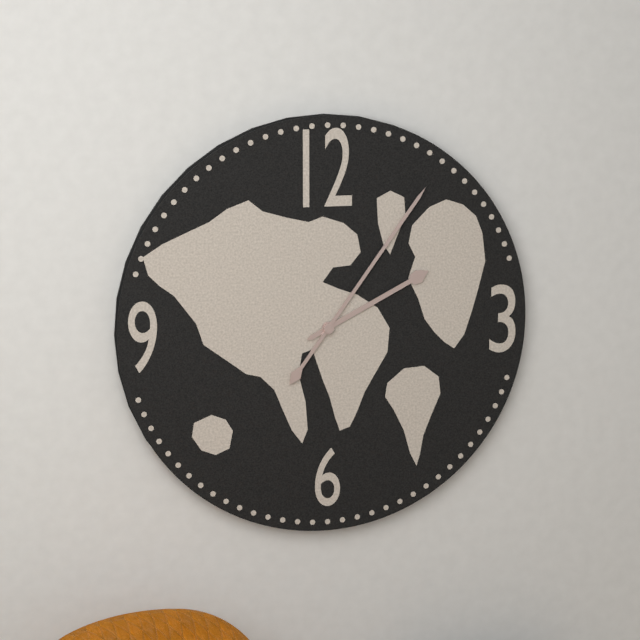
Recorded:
**2:06**
